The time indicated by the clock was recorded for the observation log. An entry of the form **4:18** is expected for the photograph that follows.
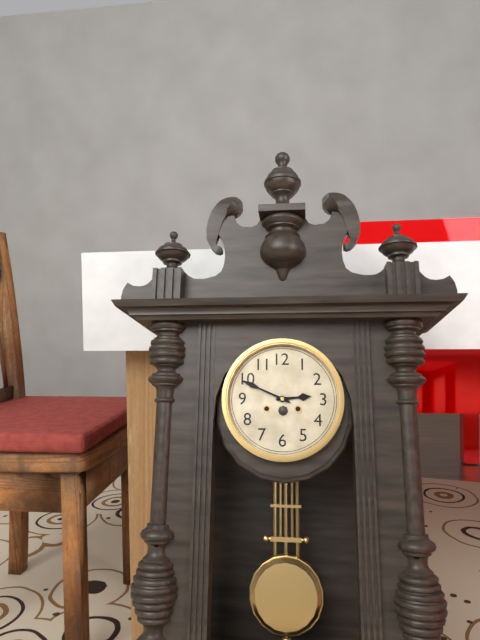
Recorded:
**2:49**
